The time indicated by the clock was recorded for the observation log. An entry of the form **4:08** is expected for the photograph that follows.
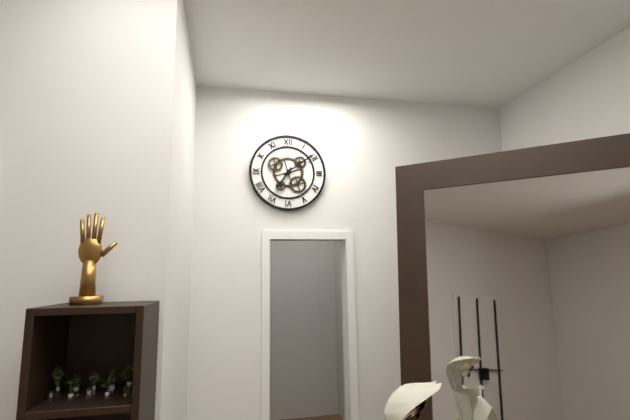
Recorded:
**7:09**
